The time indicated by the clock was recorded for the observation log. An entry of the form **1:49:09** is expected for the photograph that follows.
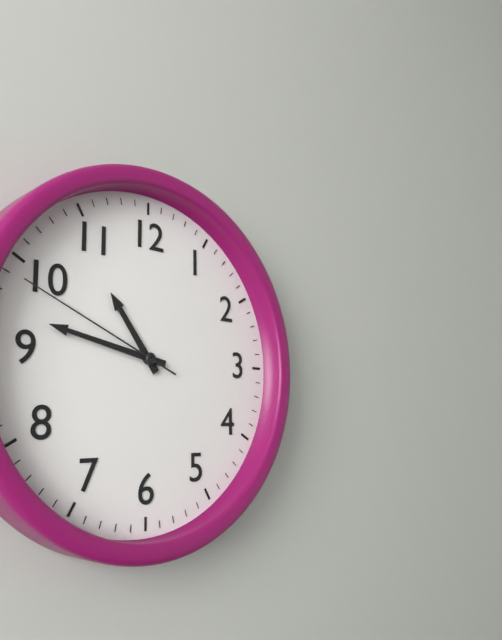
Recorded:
**10:47:49**
